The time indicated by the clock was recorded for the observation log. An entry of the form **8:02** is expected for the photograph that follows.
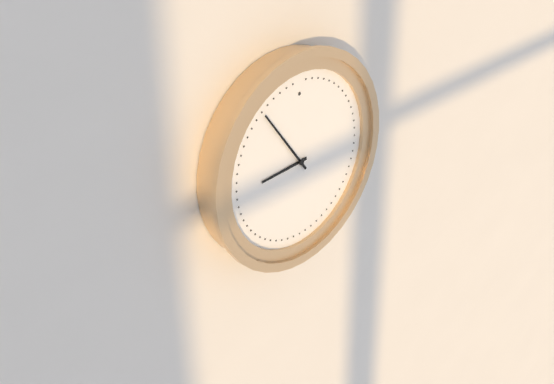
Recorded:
**8:54**
